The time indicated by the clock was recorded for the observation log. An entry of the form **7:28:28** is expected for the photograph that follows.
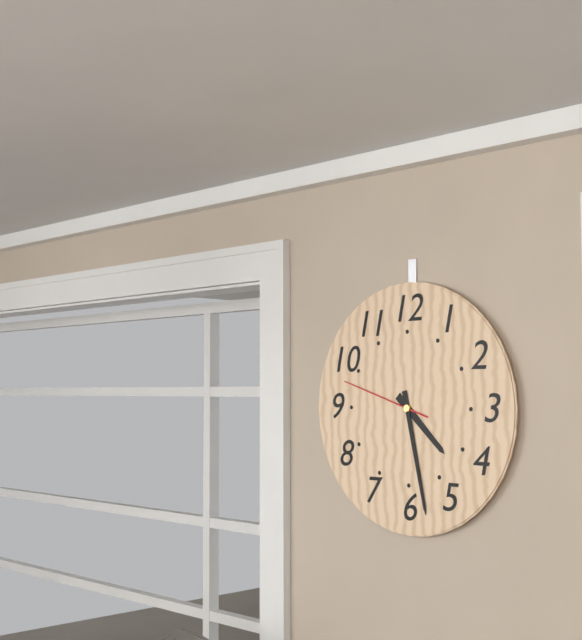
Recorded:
**4:28:48**
